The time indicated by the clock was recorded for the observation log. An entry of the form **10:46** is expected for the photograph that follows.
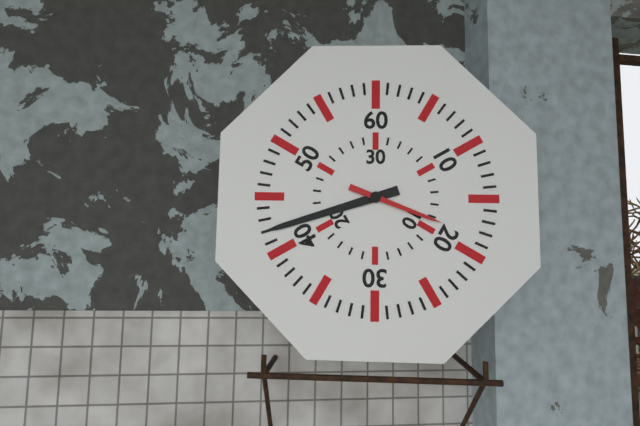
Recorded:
**3:42**
